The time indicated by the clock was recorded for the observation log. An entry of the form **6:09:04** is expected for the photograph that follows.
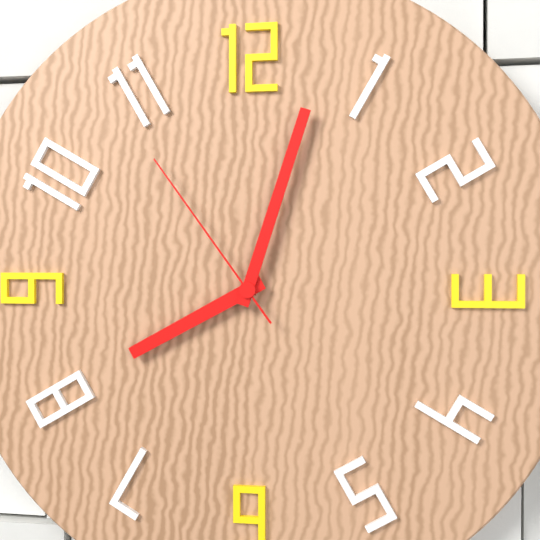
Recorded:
**8:03:54**
